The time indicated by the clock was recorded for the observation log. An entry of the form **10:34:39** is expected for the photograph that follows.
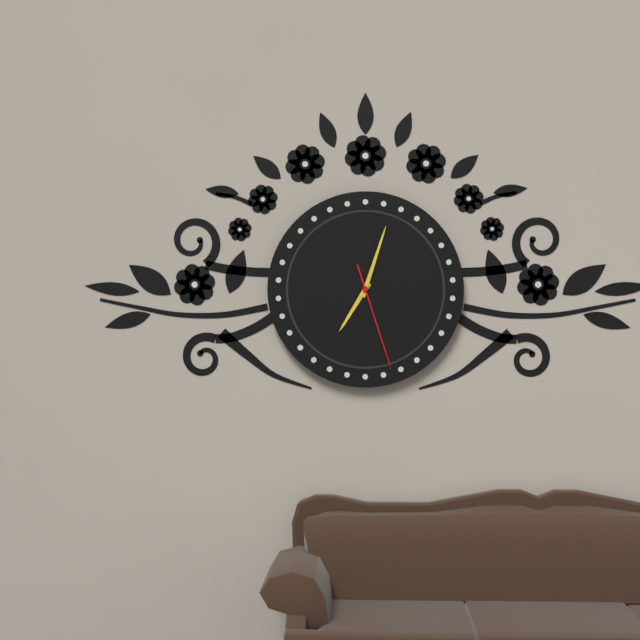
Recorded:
**7:03:27**
